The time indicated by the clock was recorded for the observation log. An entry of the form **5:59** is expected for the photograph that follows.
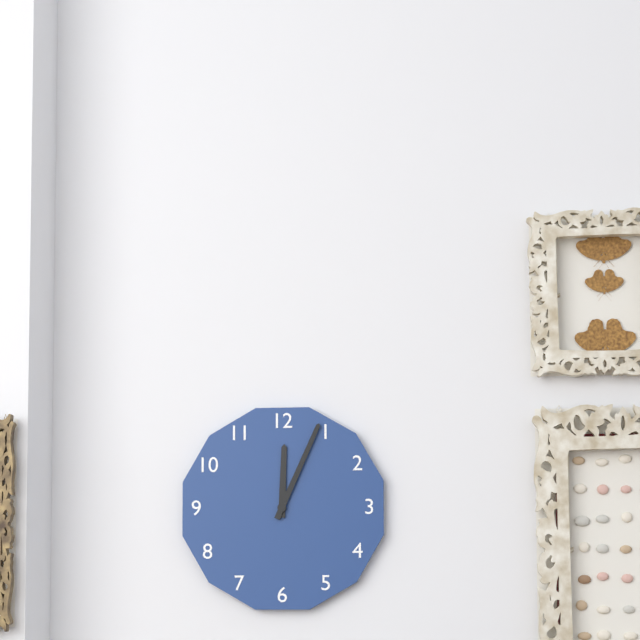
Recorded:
**12:04**
